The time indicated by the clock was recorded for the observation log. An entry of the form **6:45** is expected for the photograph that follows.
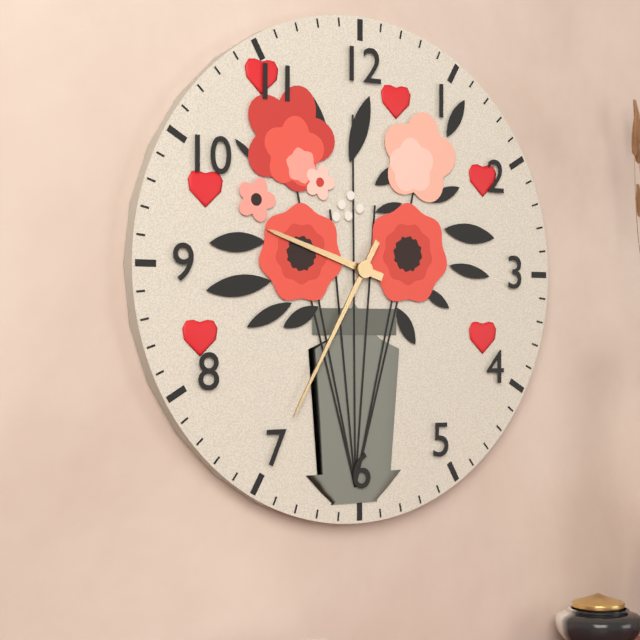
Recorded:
**9:35**
